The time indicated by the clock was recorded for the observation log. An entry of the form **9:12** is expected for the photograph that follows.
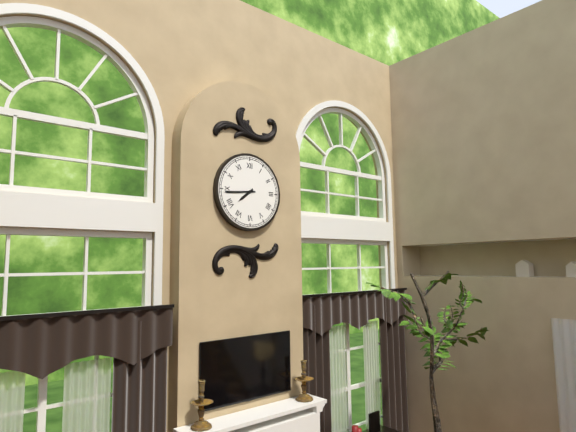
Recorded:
**7:44**
